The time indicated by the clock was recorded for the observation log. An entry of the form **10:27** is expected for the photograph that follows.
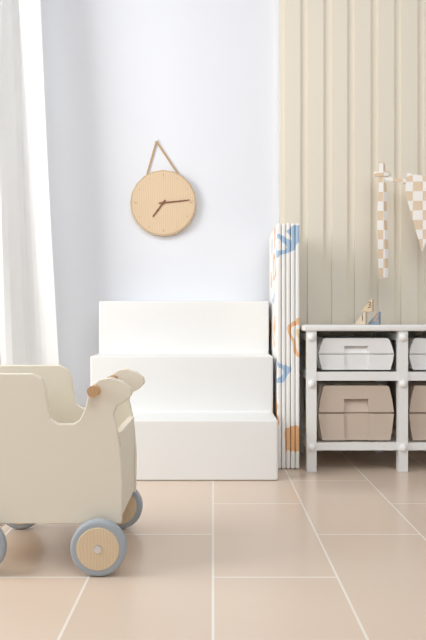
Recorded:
**7:14**
